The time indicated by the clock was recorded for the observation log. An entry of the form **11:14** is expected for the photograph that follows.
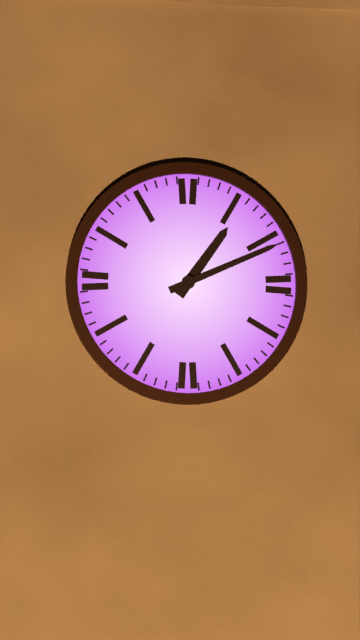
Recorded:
**1:11**
